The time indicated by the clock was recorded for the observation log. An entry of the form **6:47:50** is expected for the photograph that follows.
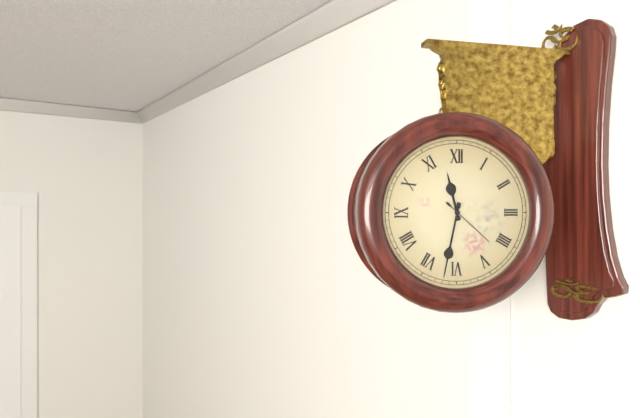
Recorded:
**11:32:22**
